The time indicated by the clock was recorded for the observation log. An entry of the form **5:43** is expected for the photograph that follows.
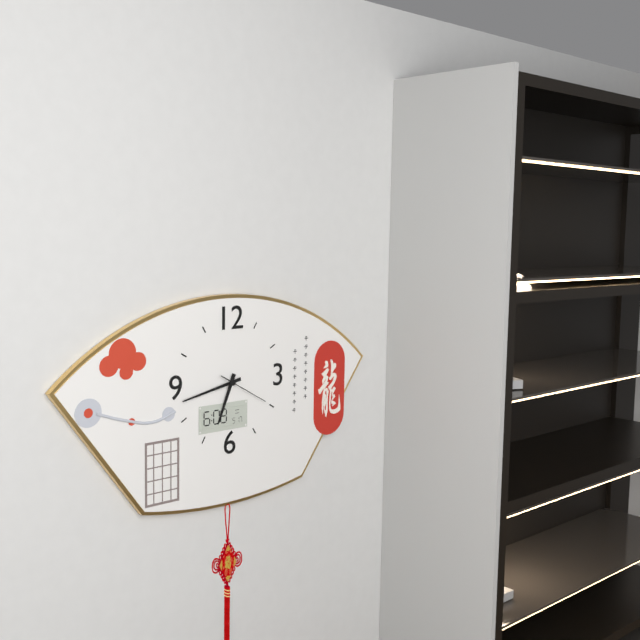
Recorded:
**6:43**
